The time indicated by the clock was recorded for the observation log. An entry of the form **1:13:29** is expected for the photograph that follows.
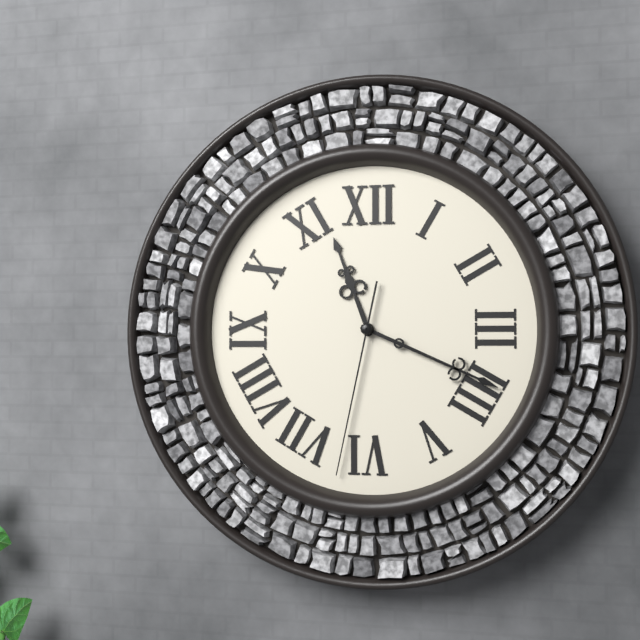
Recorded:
**11:19:32**
